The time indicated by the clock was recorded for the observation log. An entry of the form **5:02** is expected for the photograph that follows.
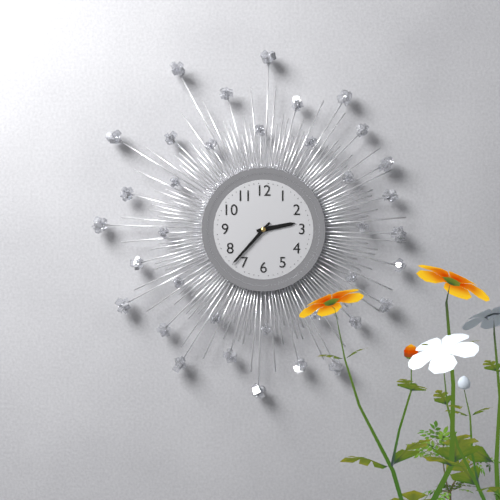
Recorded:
**2:37**
